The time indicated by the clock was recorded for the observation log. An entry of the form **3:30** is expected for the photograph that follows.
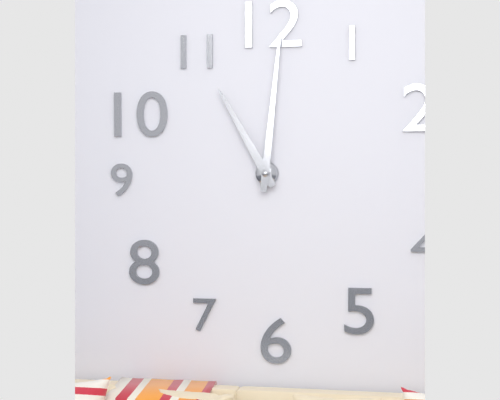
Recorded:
**11:01**
